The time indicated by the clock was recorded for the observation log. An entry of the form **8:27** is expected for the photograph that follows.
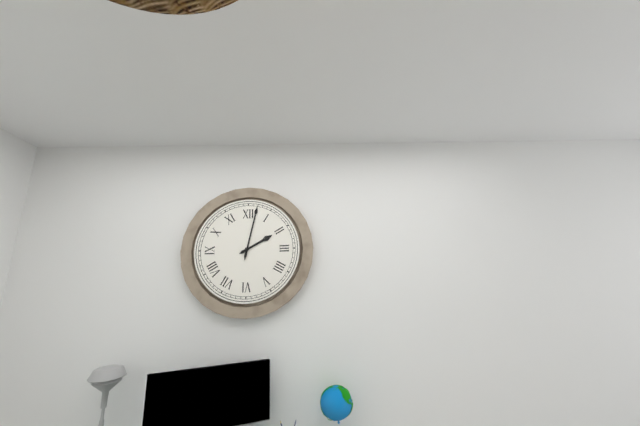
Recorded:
**2:02**
